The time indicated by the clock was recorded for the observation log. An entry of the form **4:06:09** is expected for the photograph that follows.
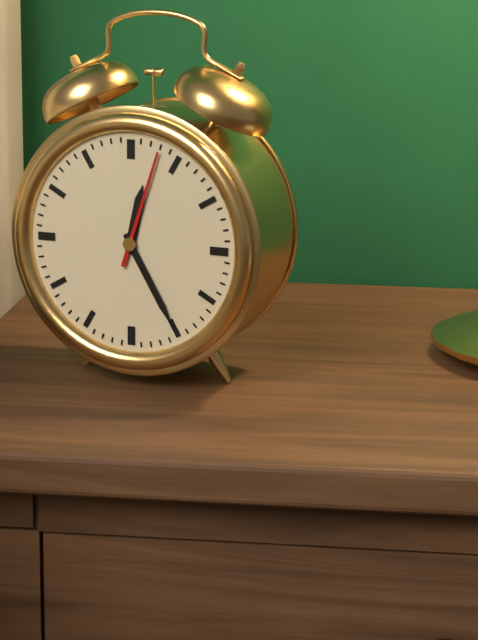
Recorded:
**12:25:03**
